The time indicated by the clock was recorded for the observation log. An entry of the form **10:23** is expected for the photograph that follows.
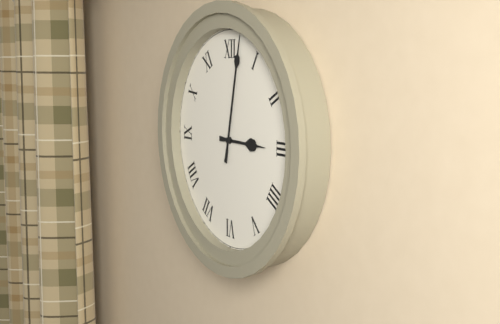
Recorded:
**3:02**
